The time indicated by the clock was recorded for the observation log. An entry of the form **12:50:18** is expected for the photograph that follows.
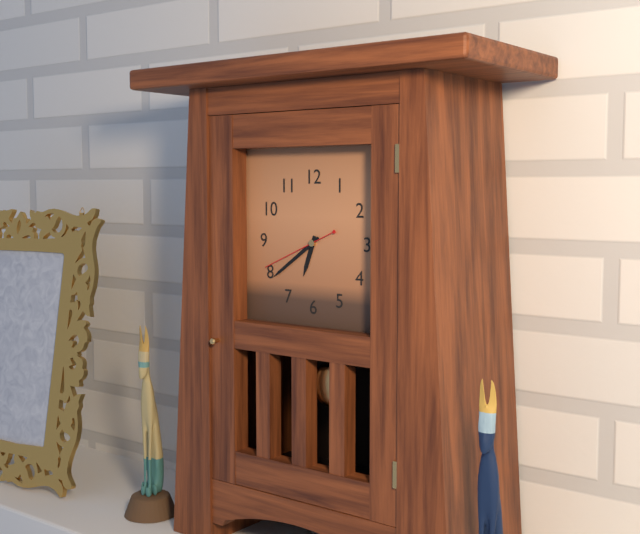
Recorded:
**6:39:41**
